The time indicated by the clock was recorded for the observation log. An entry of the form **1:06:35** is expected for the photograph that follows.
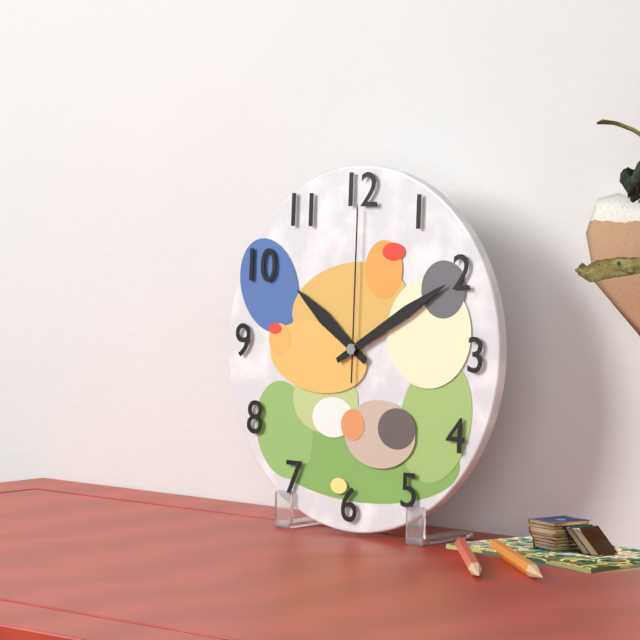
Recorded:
**10:10:00**
